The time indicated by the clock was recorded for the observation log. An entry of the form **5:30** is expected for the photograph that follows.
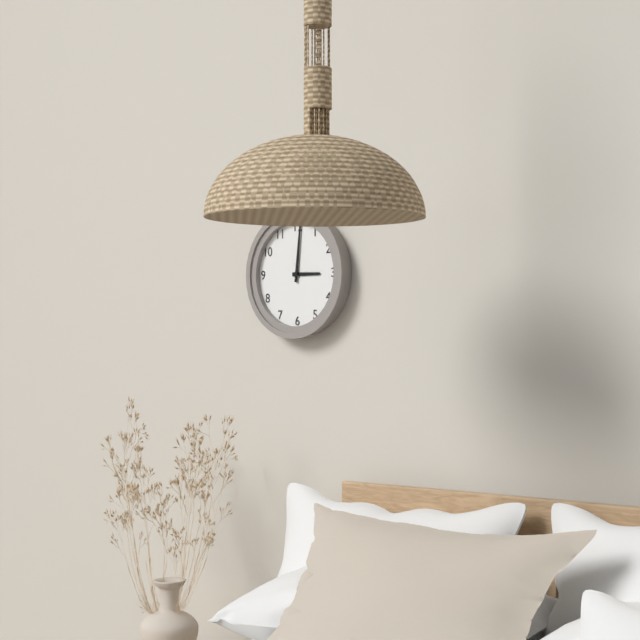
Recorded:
**3:01**
